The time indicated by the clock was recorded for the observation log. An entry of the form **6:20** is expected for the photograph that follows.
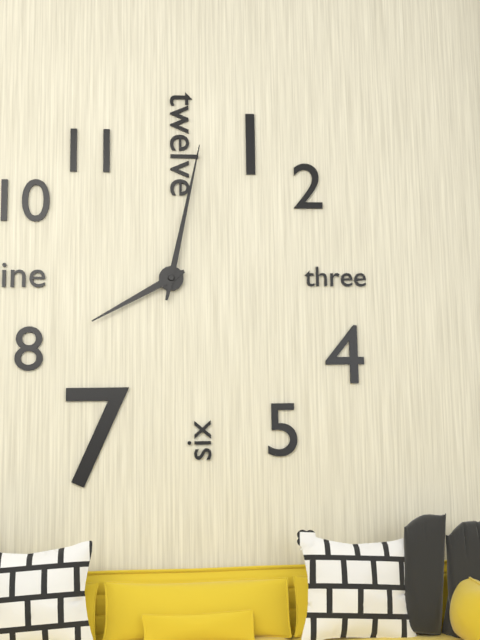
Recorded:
**8:02**
